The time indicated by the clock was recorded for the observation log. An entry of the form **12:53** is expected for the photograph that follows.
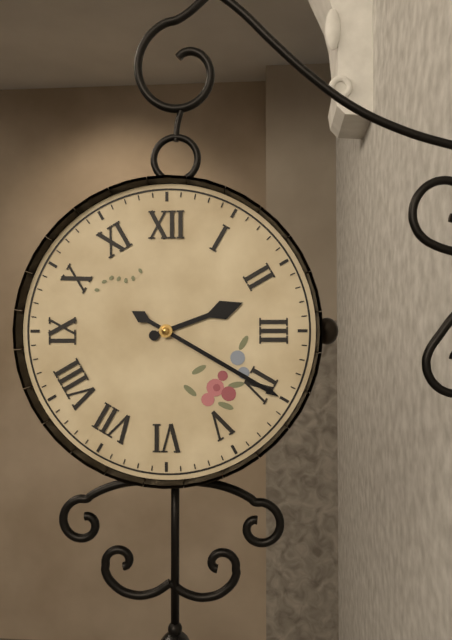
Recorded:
**2:20**
